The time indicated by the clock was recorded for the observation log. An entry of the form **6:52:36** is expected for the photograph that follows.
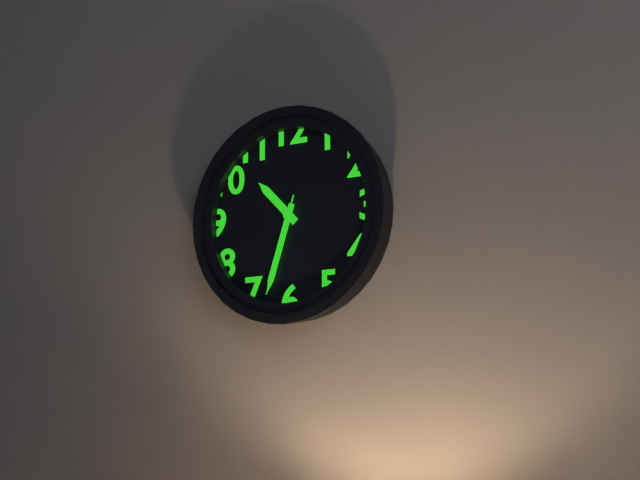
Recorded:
**10:33:33**
